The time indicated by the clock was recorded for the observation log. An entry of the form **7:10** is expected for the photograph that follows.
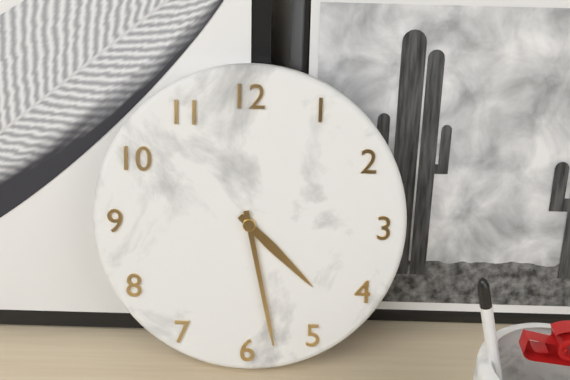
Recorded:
**4:28**
